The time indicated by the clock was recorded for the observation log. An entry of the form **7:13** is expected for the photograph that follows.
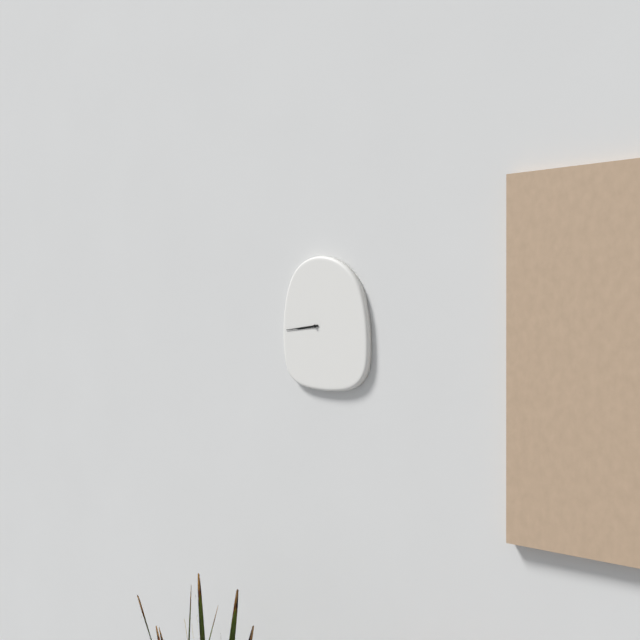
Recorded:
**8:44**
